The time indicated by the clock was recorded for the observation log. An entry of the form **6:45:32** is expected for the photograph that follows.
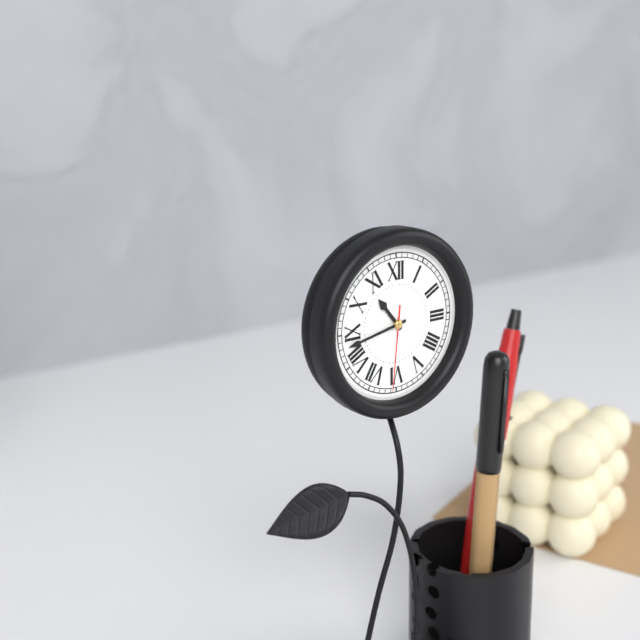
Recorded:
**10:43:31**
